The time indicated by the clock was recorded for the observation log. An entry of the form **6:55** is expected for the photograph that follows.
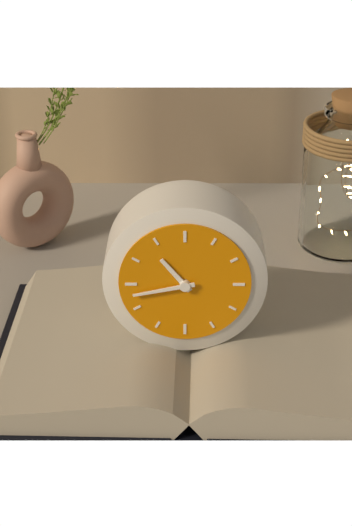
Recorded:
**10:43**
